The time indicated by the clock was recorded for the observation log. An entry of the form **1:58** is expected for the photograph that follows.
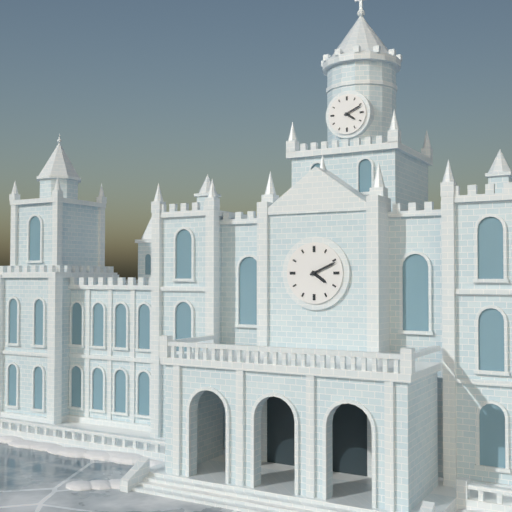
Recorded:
**4:11**
